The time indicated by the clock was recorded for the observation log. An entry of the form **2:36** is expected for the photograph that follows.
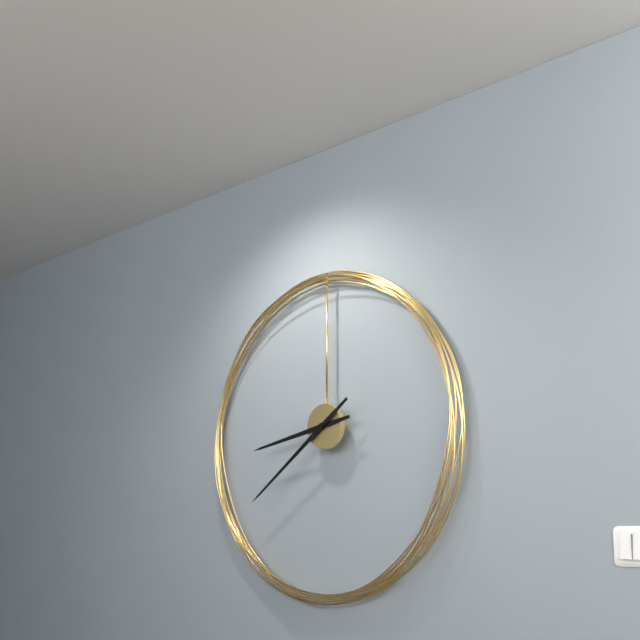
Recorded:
**8:39**
